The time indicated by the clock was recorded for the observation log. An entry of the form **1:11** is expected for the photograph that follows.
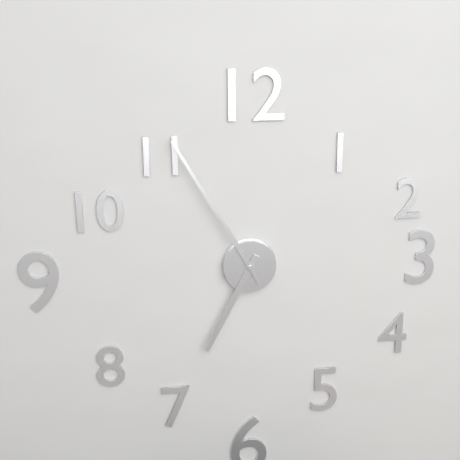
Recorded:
**6:55**
